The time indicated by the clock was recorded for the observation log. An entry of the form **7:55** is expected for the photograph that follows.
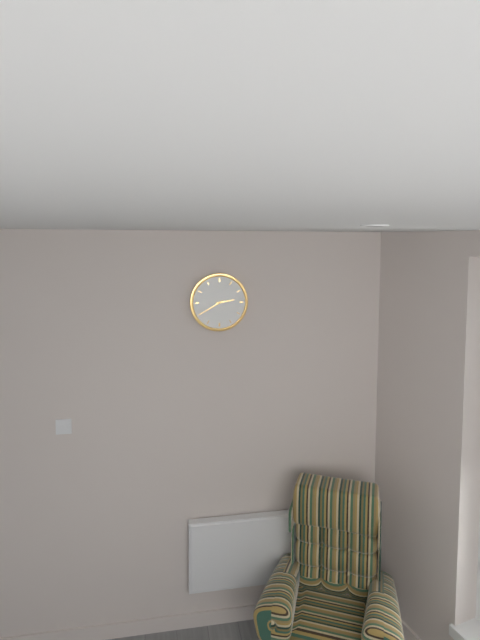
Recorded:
**2:40**
